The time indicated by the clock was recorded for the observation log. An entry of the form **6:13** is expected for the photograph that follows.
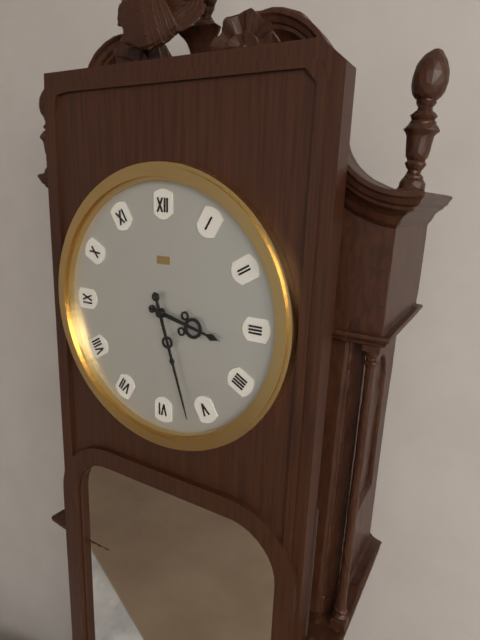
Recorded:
**3:27**
